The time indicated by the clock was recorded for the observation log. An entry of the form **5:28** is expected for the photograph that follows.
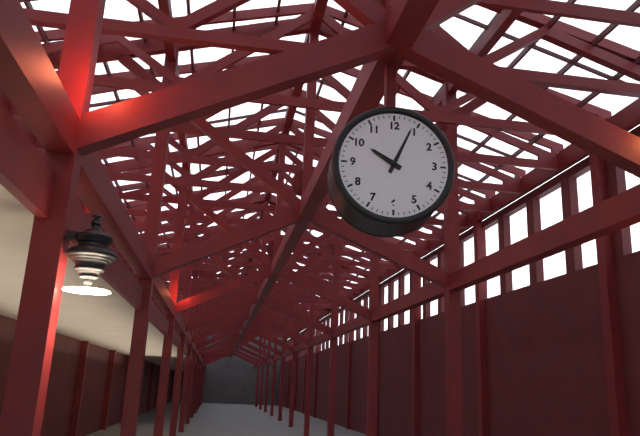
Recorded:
**10:04**
